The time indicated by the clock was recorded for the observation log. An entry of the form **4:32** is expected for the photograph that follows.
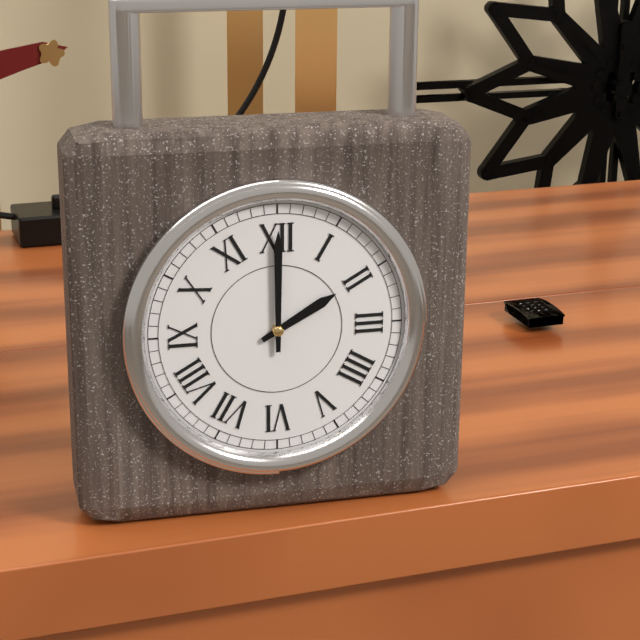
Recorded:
**2:00**
